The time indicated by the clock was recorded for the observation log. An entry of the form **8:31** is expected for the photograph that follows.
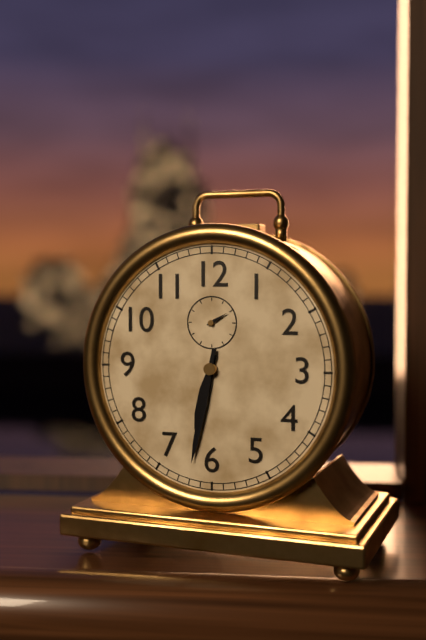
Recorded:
**6:32**
